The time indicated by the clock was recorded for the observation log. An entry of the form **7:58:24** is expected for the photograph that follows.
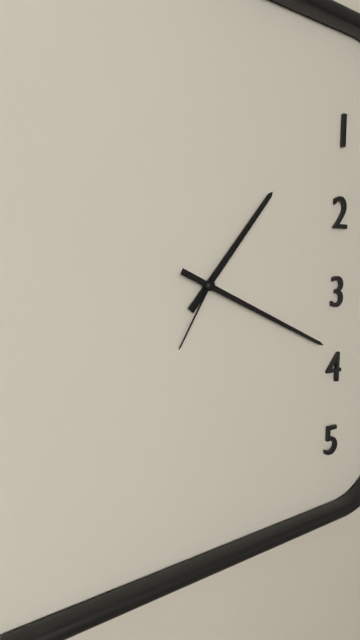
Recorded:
**1:19:35**
